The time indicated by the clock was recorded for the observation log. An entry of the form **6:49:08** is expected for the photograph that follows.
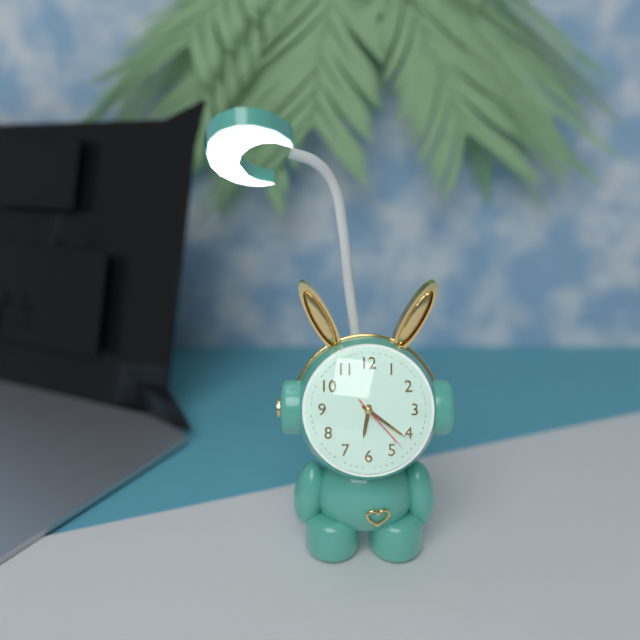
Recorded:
**6:21:23**
